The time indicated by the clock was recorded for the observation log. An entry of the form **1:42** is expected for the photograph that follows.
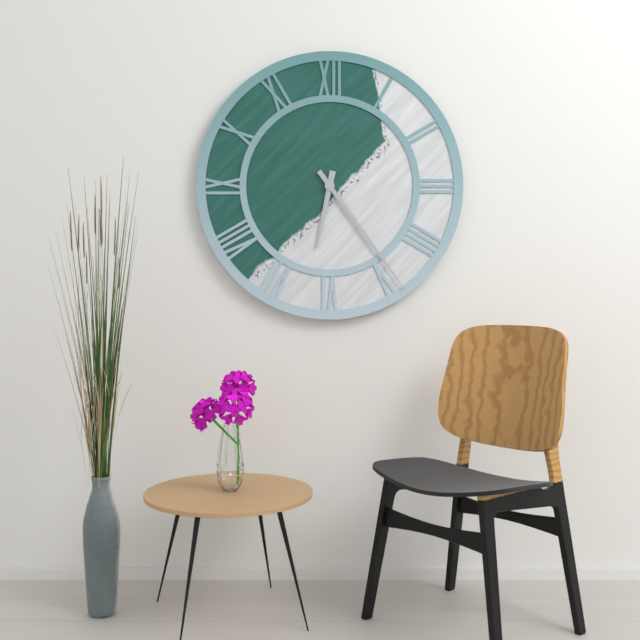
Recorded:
**6:24**
